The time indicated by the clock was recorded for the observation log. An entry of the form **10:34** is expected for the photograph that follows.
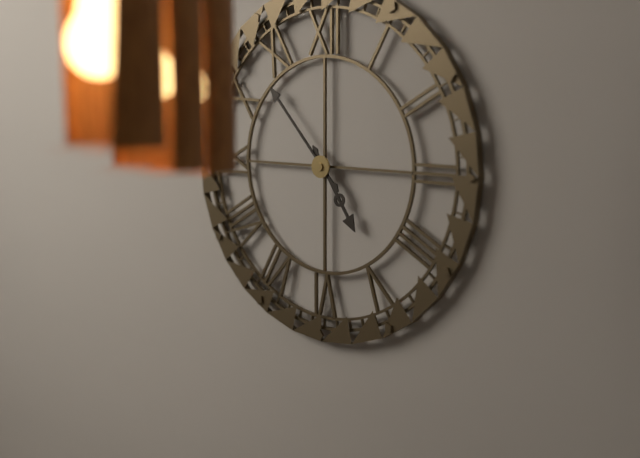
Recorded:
**4:53**
